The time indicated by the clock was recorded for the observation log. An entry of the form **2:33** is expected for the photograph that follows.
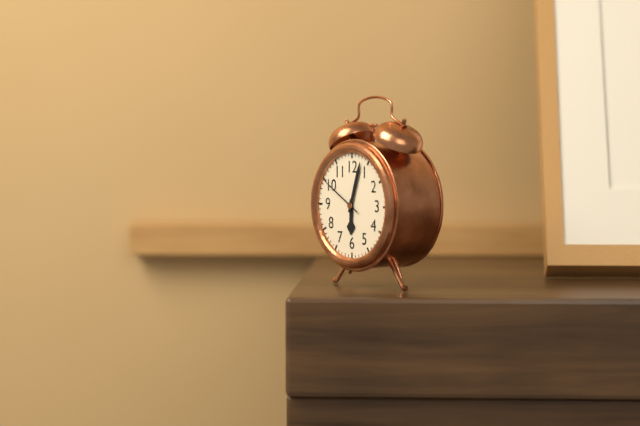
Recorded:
**6:03**
